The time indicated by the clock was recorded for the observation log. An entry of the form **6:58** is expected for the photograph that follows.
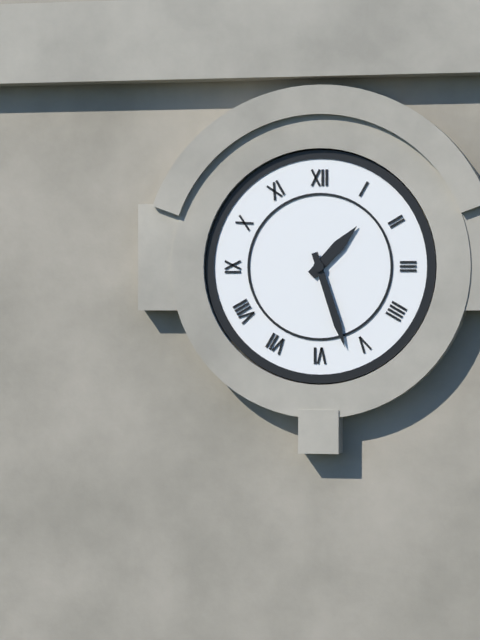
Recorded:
**1:27**
